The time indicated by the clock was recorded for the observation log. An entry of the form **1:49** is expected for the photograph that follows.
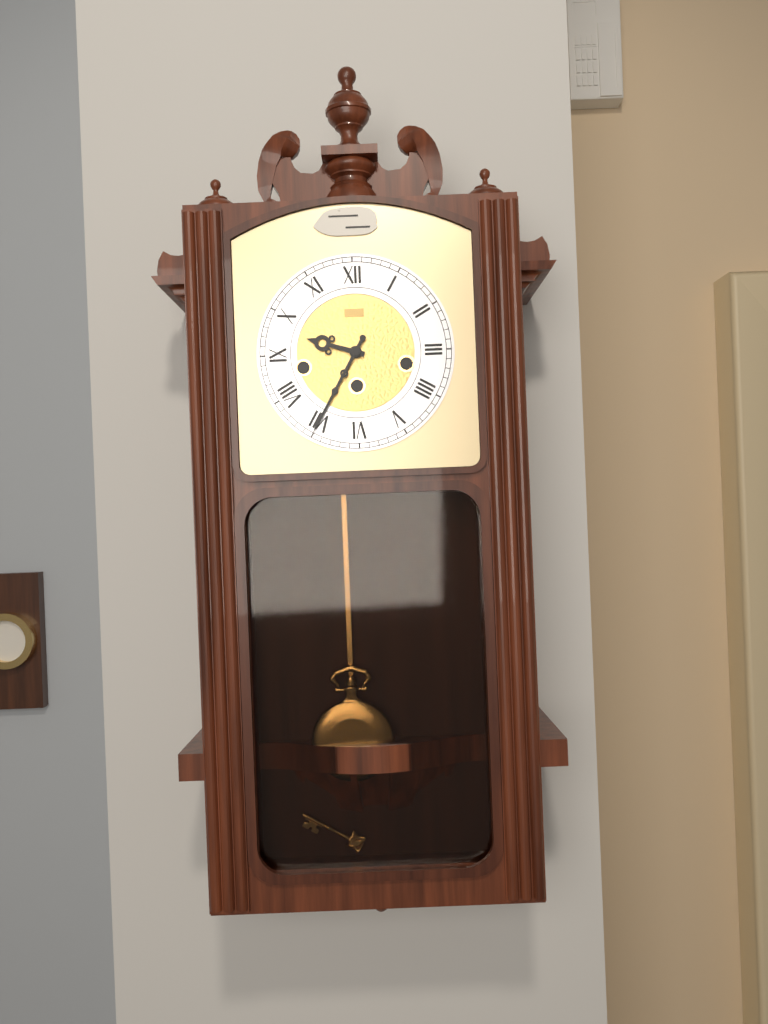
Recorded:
**9:35**
